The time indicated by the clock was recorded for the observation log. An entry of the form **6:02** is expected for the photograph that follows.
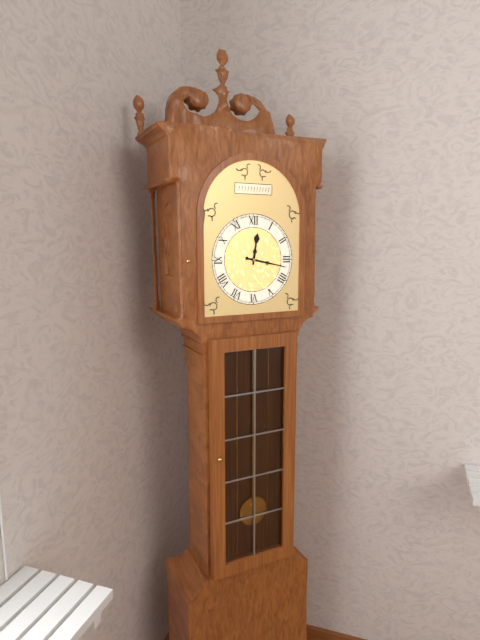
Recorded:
**12:17**
